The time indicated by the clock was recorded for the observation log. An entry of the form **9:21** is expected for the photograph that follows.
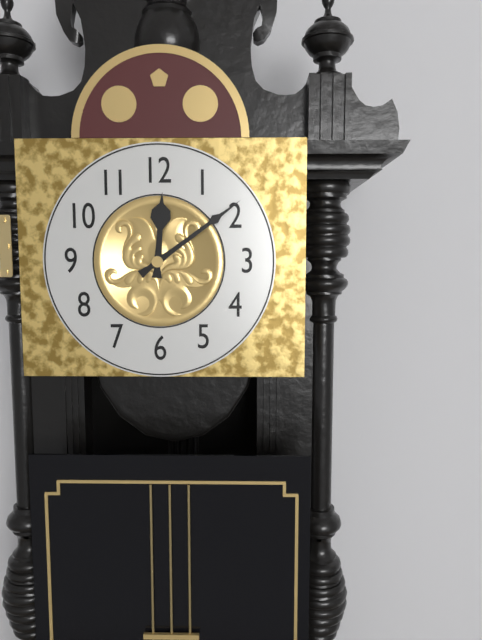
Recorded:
**12:09**
